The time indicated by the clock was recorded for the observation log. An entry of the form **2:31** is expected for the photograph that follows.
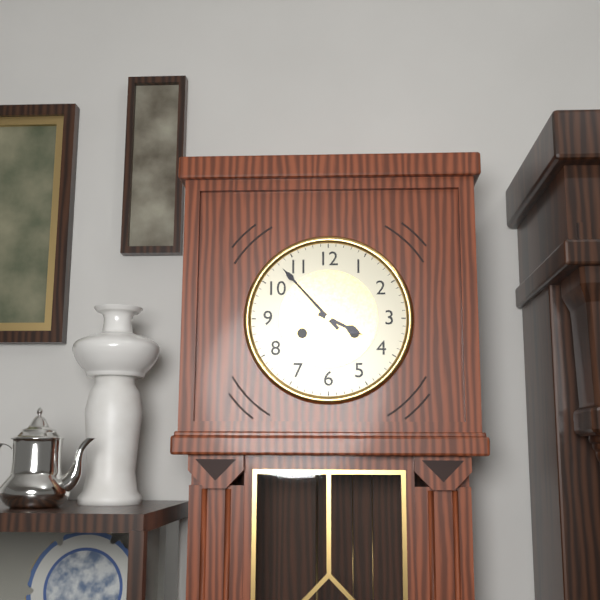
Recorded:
**3:53**
